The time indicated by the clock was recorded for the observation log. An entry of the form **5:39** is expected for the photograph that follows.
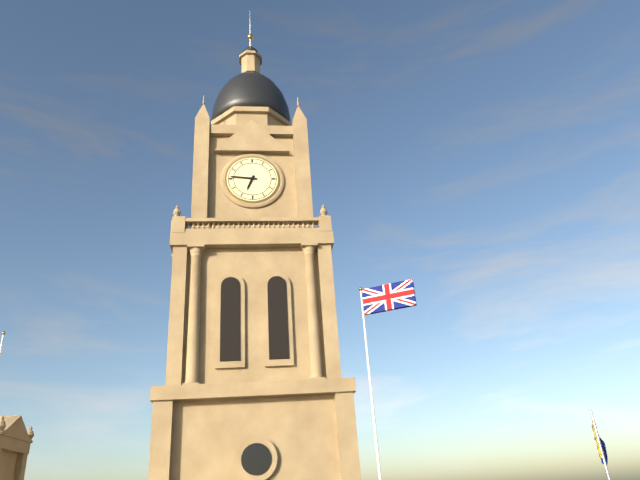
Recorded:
**6:46**
